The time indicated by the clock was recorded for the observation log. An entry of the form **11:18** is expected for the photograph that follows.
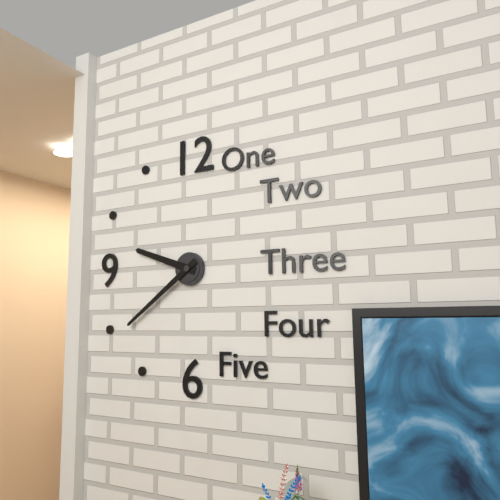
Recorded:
**9:39**
